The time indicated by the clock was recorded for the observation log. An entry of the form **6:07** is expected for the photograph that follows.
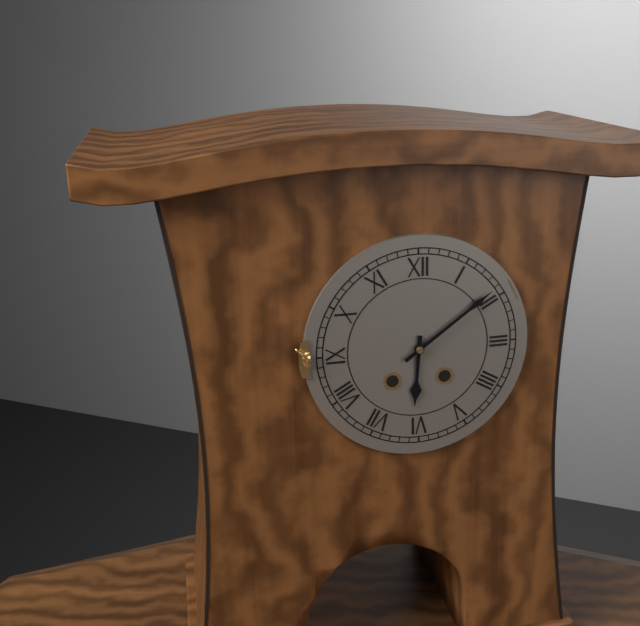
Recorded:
**6:09**
